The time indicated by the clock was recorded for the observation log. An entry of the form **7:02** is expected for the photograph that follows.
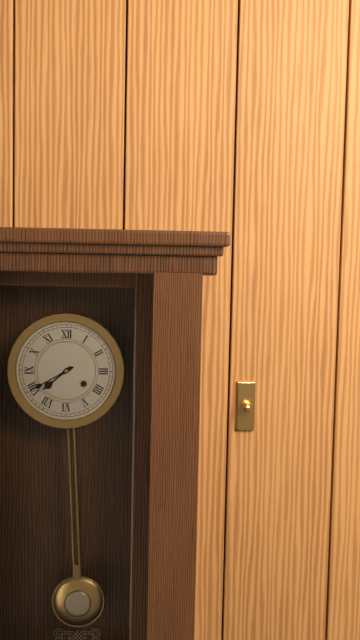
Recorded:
**7:40**
